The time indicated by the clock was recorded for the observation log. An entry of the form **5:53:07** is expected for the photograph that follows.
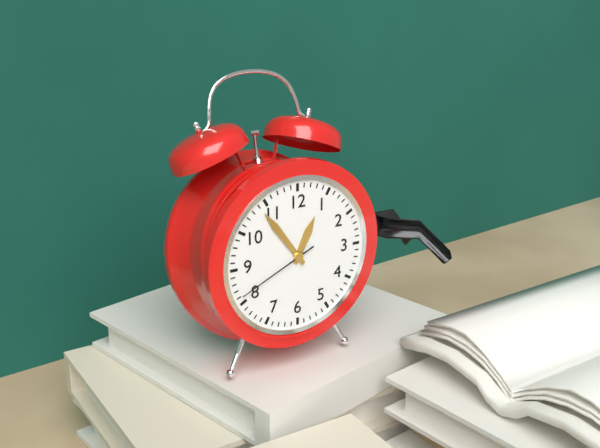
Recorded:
**12:54:41**
